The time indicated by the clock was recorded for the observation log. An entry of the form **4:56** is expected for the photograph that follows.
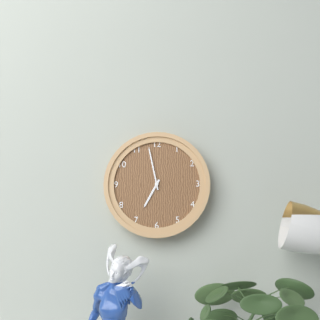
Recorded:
**6:58**
